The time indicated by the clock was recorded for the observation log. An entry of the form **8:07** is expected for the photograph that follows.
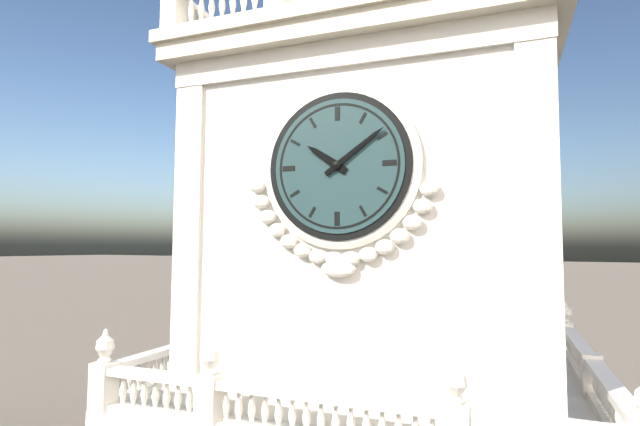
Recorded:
**10:09**
